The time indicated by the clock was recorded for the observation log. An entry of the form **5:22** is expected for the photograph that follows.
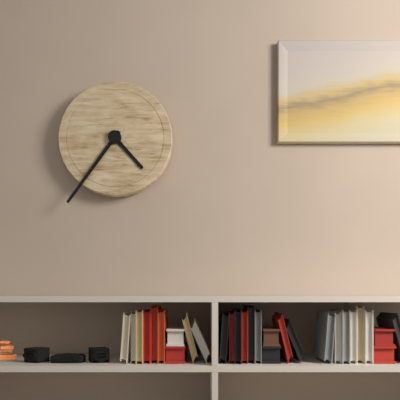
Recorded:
**4:36**
